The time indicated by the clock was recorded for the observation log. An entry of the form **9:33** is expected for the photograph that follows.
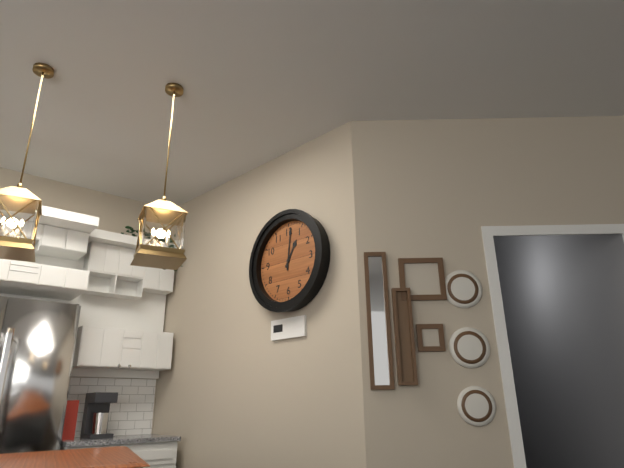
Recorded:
**1:01**
